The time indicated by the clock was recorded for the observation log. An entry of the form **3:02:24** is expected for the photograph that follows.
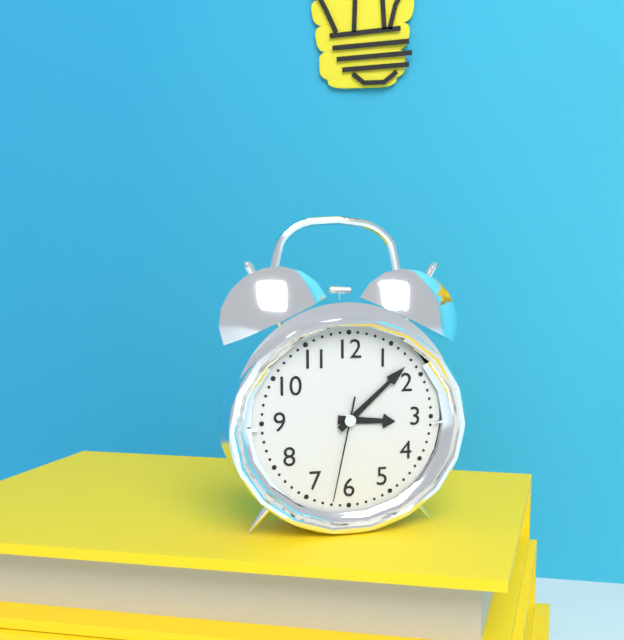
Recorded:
**3:08:32**
